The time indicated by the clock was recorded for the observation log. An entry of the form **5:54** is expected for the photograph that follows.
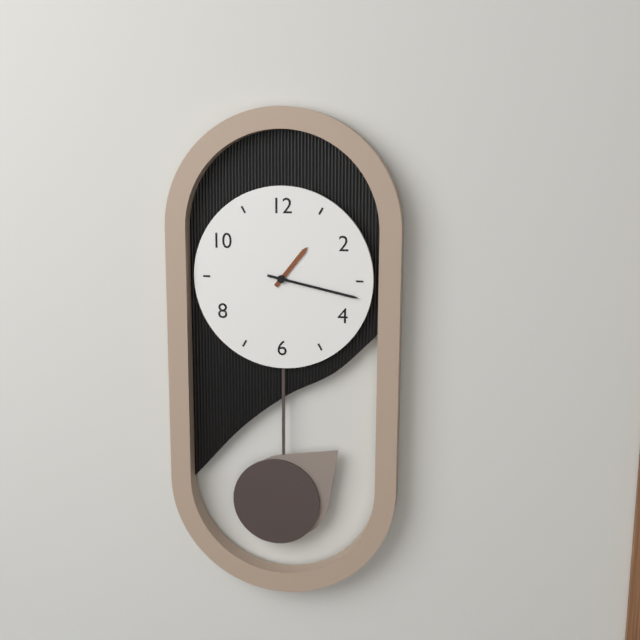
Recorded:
**1:17**
